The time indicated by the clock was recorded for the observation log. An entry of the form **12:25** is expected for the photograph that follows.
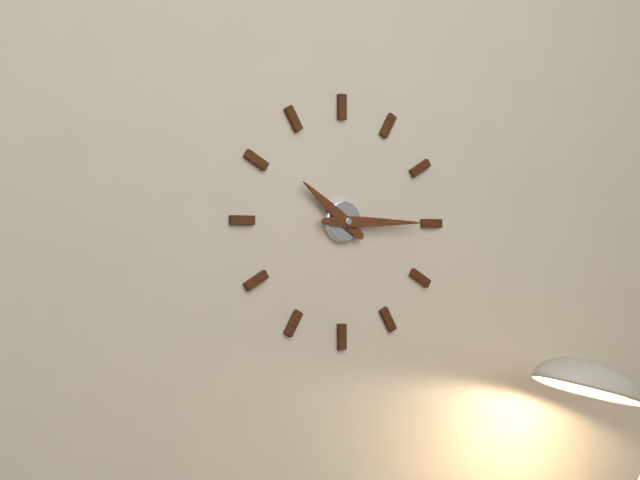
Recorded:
**10:15**
